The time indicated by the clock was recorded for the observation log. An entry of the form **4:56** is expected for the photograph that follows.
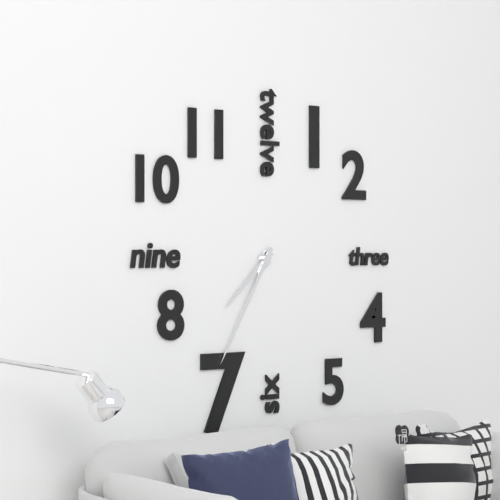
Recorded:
**7:35**
